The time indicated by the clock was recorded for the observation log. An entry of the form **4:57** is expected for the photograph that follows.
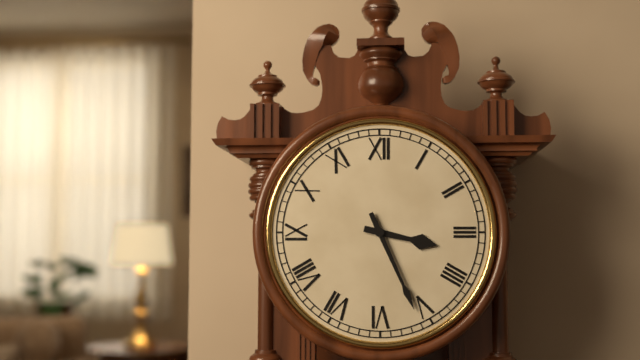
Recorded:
**3:26**
